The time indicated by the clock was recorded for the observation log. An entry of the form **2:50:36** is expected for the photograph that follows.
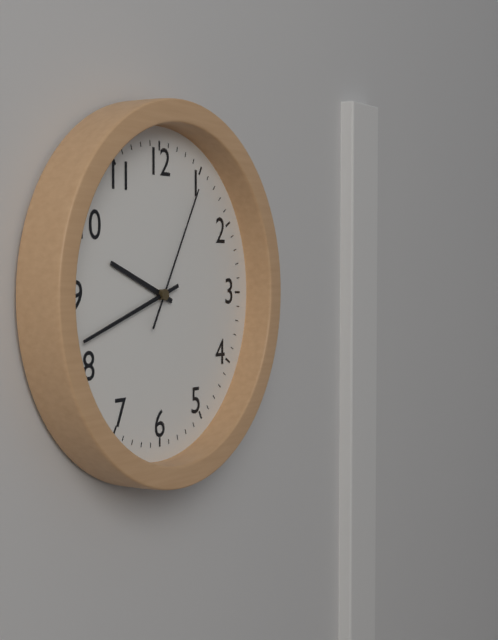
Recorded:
**9:42:05**
